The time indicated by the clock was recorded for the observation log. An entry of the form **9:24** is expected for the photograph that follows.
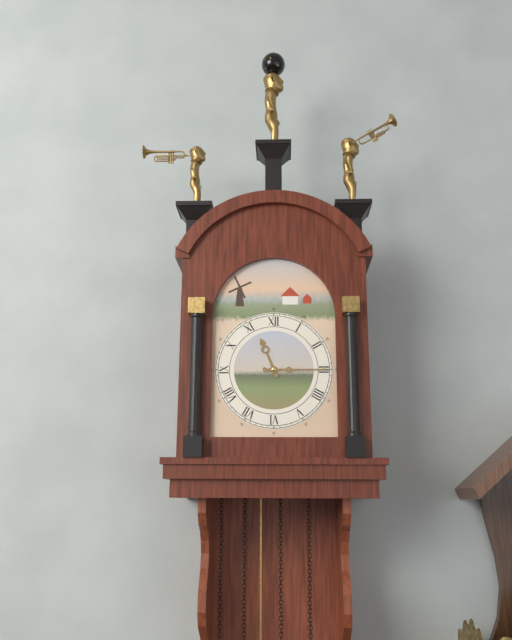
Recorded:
**11:15**
